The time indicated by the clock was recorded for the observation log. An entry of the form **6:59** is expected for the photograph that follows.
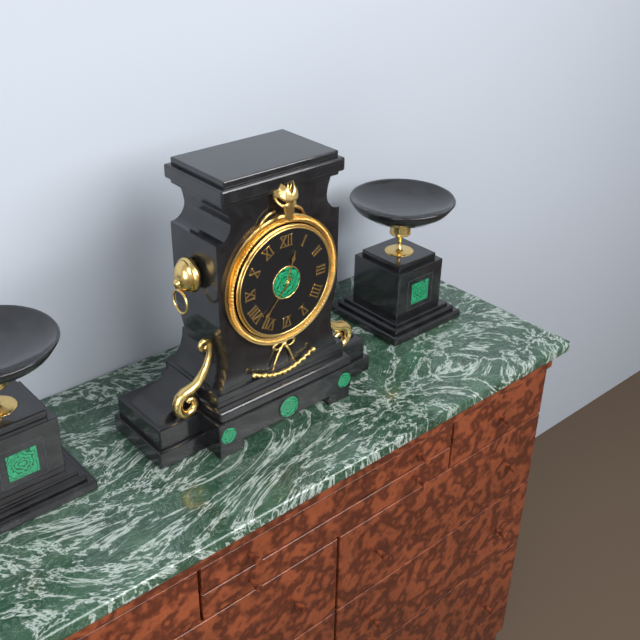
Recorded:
**12:37**
